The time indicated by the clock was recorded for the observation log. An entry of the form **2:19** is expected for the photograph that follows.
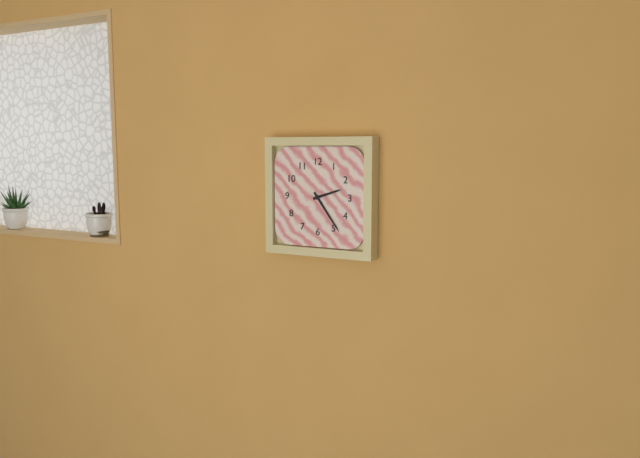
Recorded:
**2:24**
